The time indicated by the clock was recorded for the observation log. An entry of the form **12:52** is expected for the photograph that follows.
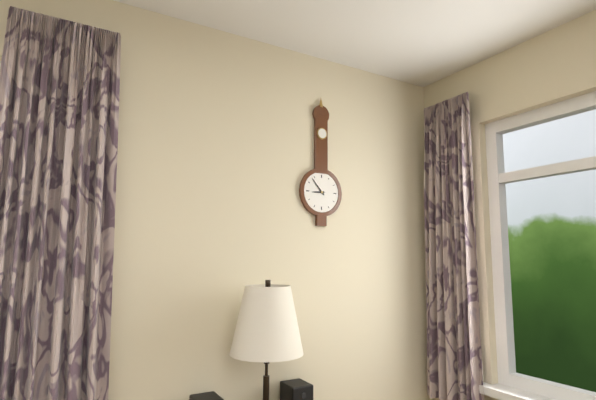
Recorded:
**8:53**
